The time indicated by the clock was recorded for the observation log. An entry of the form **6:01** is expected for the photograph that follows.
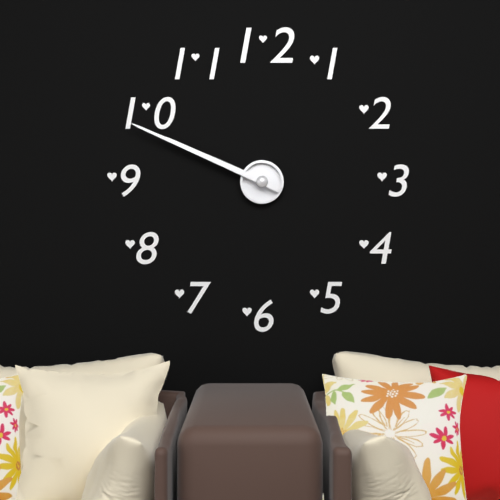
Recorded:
**9:49**
